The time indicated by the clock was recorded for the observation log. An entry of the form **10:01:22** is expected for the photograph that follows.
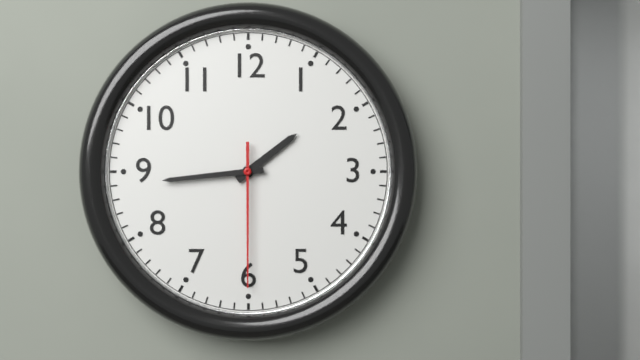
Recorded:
**1:44:30**
